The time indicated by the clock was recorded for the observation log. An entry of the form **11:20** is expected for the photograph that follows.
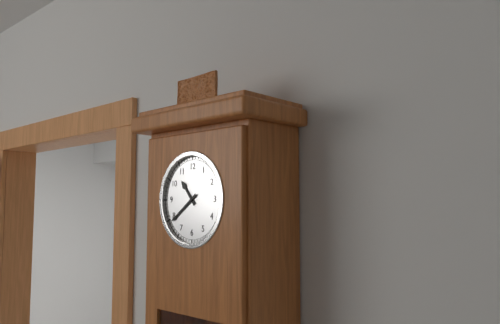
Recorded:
**10:39**
